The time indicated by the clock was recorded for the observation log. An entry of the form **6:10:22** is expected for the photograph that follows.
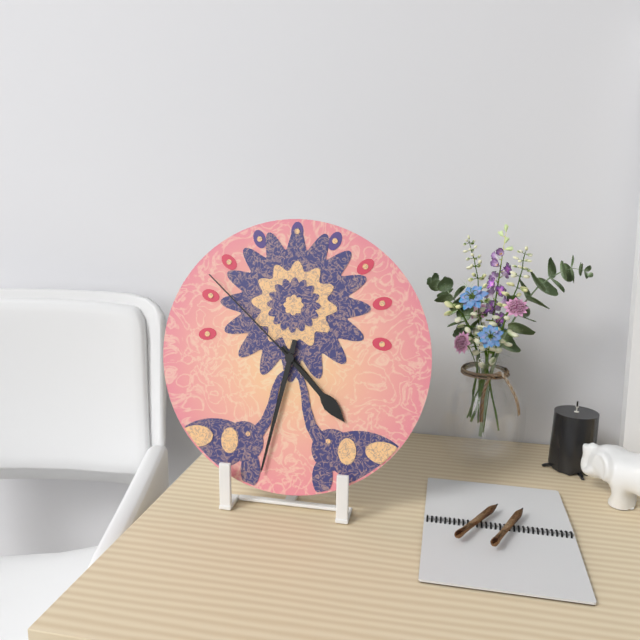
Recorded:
**4:32:52**
